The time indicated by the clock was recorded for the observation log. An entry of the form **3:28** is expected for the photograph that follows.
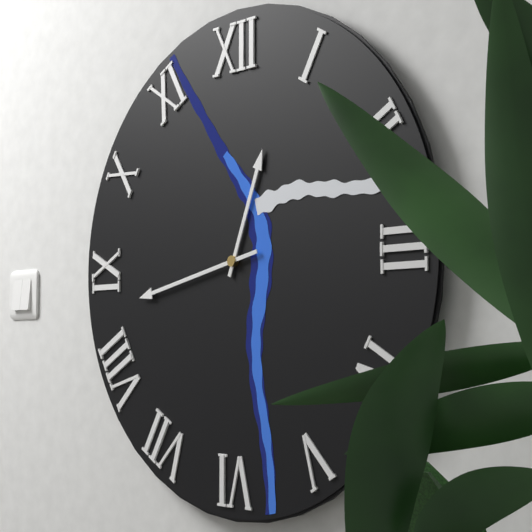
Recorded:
**12:43**
